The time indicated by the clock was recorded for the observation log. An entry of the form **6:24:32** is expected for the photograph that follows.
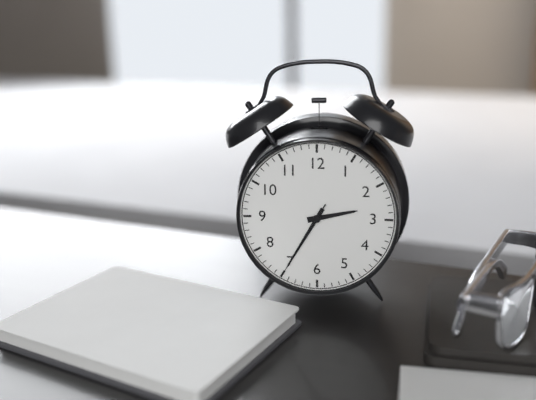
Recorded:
**2:35:35**
